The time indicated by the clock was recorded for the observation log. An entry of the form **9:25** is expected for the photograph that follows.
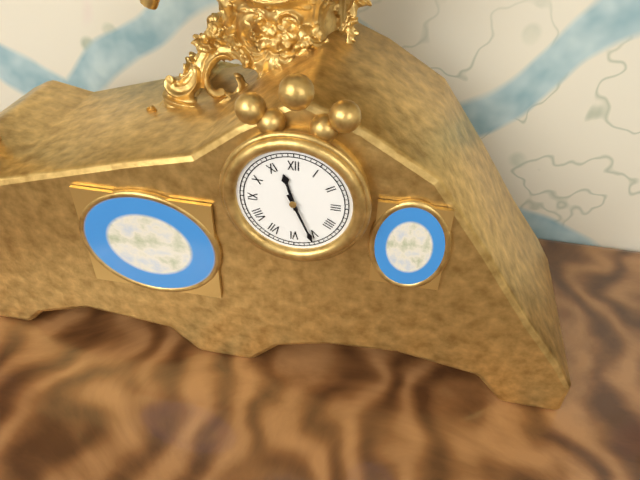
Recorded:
**11:26**
